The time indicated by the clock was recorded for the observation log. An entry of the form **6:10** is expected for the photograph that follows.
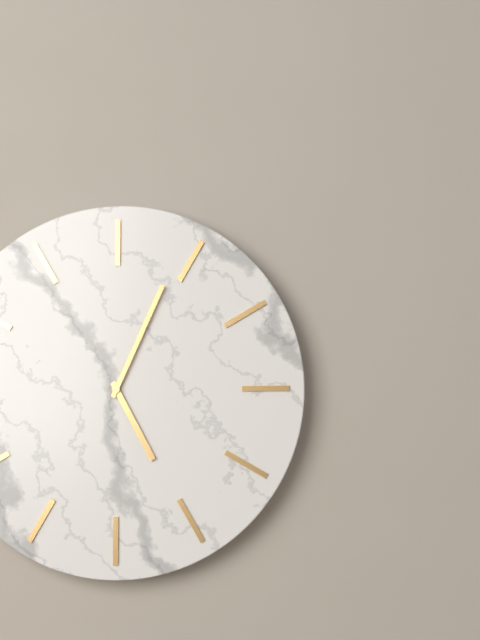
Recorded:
**5:04**
